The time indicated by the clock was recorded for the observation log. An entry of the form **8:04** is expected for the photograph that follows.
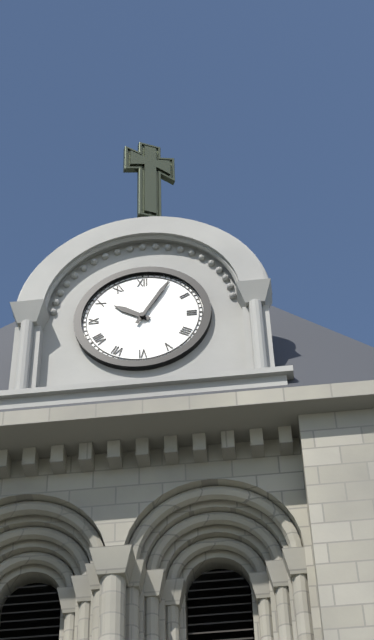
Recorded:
**10:05**
